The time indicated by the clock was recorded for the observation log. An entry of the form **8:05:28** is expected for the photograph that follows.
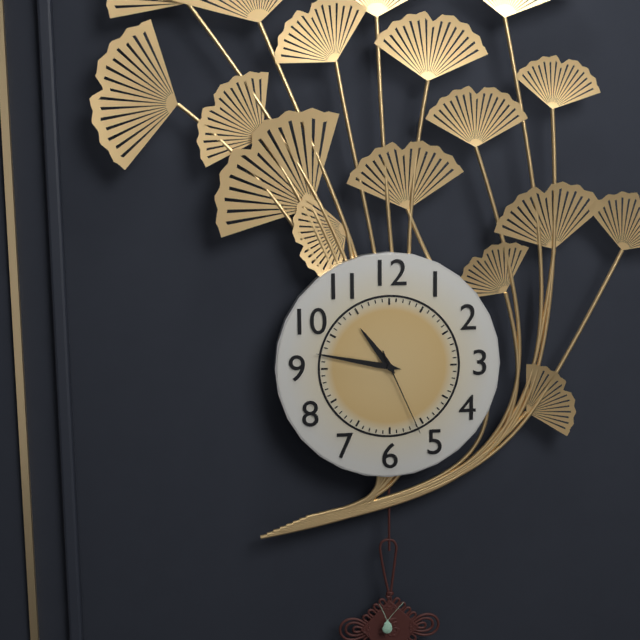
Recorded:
**10:47:26**
